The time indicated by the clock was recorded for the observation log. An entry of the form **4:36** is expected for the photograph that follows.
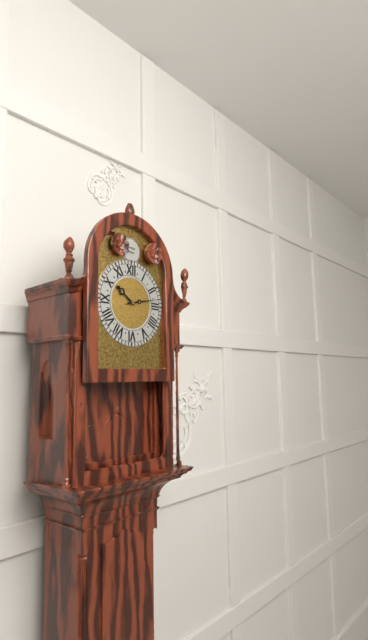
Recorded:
**10:13**
